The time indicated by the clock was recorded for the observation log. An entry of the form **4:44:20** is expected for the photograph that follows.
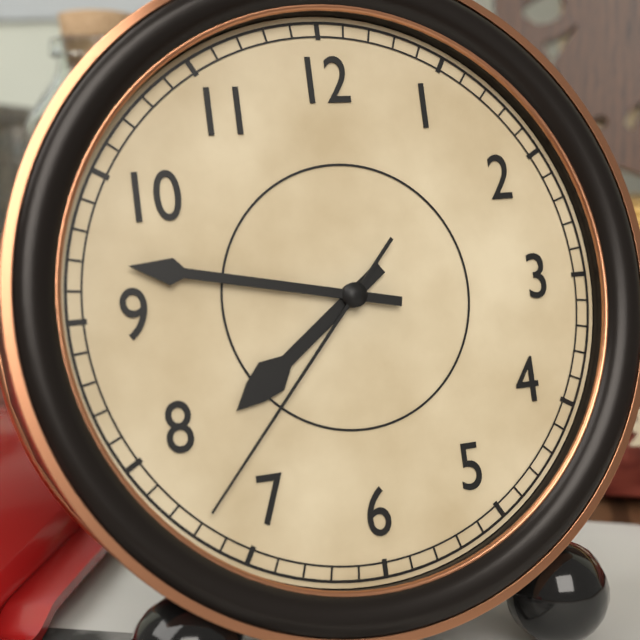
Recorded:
**7:47:37**
